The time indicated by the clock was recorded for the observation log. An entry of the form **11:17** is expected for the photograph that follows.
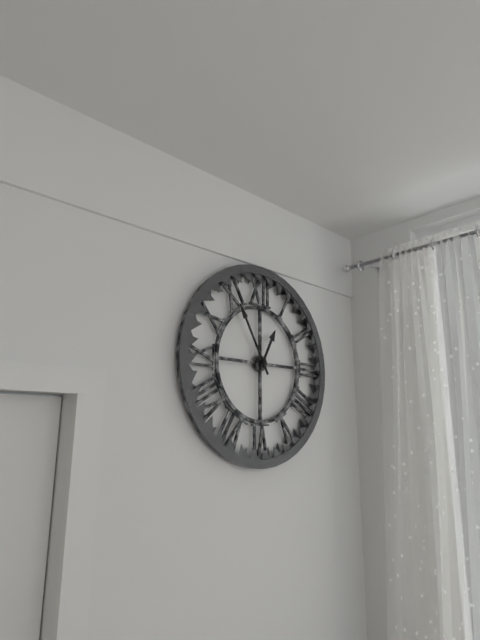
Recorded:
**12:55**
